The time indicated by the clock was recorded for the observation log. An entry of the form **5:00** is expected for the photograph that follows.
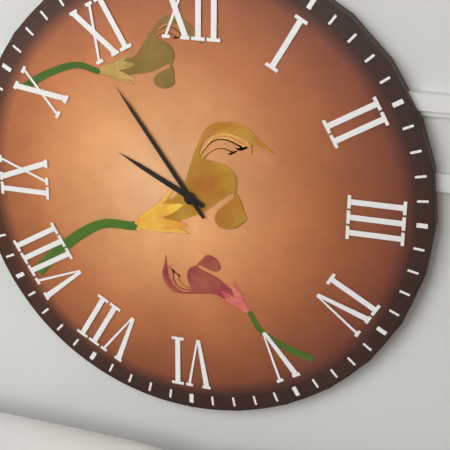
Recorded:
**9:54**
